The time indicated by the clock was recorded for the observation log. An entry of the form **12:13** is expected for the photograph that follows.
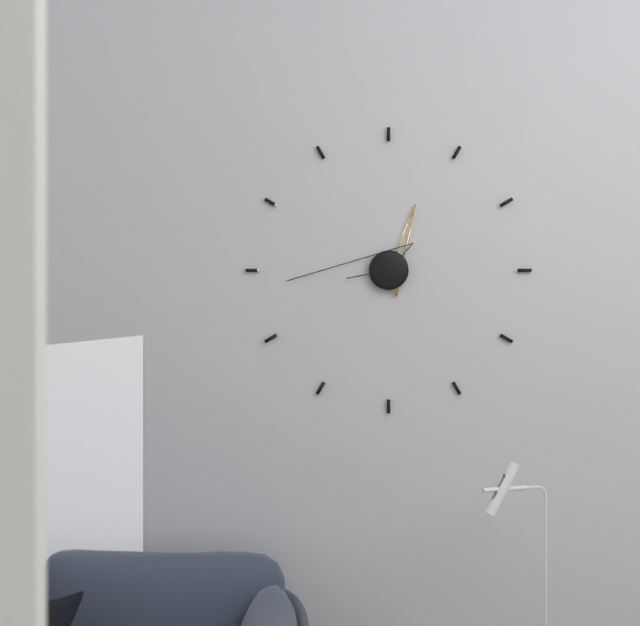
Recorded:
**12:44**
